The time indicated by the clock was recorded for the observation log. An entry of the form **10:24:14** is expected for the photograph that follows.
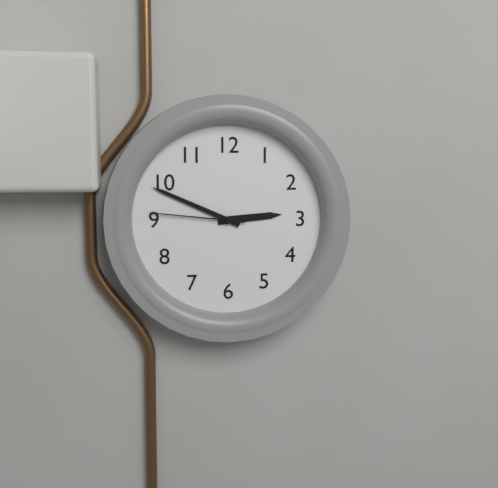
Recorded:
**2:49:46**
